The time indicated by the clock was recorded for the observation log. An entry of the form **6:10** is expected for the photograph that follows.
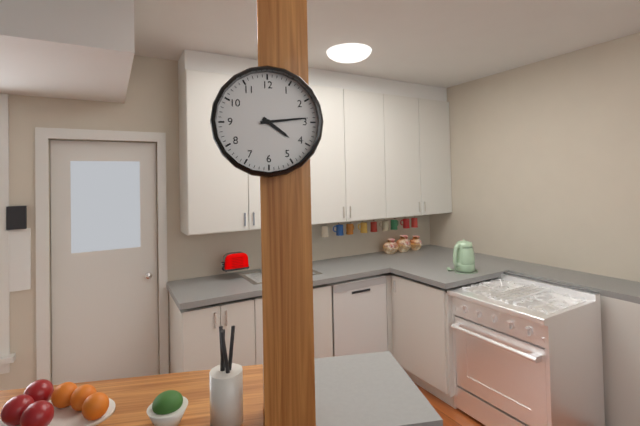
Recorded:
**4:14**
